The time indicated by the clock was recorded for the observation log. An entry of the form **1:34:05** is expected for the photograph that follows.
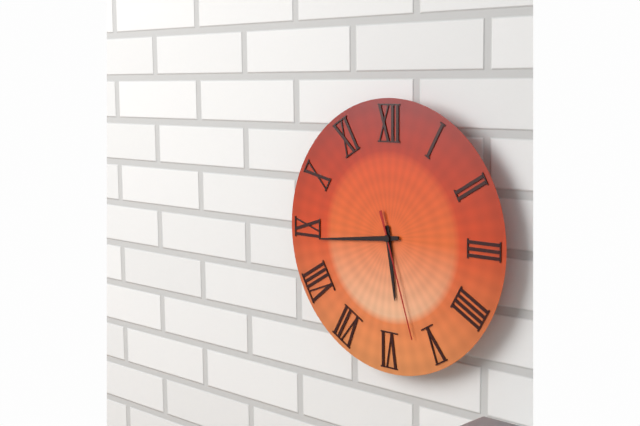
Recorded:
**5:44:27**
